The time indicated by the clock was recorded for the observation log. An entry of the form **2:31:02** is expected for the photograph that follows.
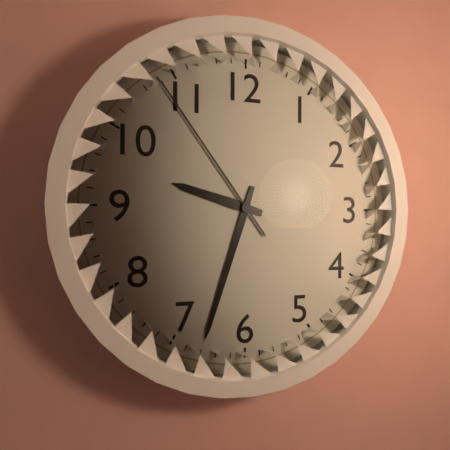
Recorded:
**9:33:54**
